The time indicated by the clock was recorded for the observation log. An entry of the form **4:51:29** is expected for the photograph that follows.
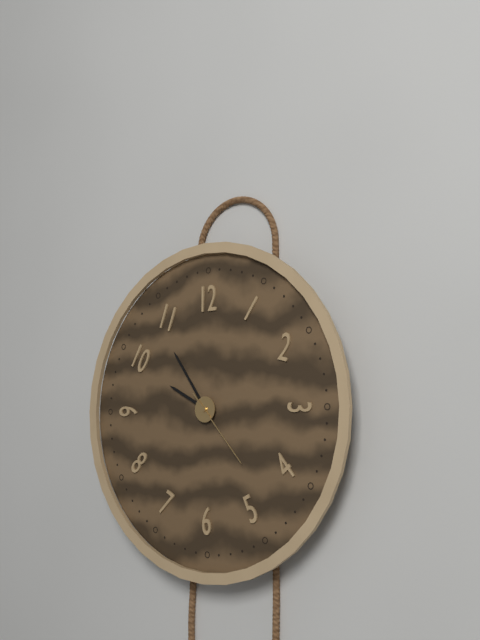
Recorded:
**9:54:23**
